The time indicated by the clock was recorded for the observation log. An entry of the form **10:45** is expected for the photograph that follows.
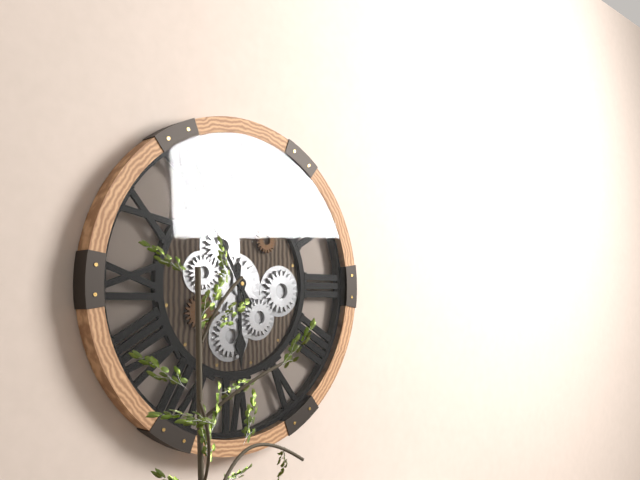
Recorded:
**5:55**
